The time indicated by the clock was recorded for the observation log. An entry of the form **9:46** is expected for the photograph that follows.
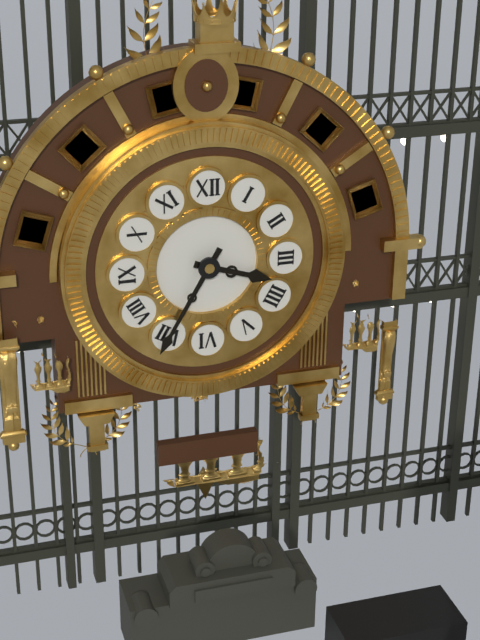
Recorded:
**3:35**
